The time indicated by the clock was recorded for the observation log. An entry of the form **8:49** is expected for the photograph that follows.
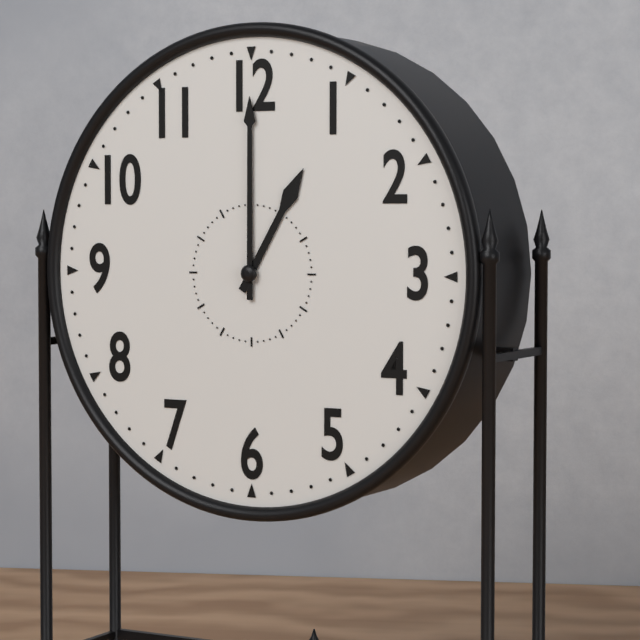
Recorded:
**1:00**
